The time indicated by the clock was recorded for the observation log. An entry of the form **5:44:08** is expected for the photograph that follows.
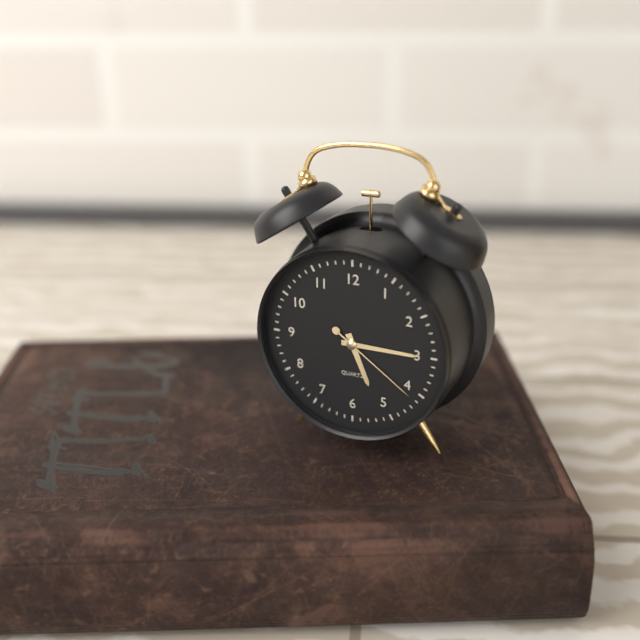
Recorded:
**5:15:21**
